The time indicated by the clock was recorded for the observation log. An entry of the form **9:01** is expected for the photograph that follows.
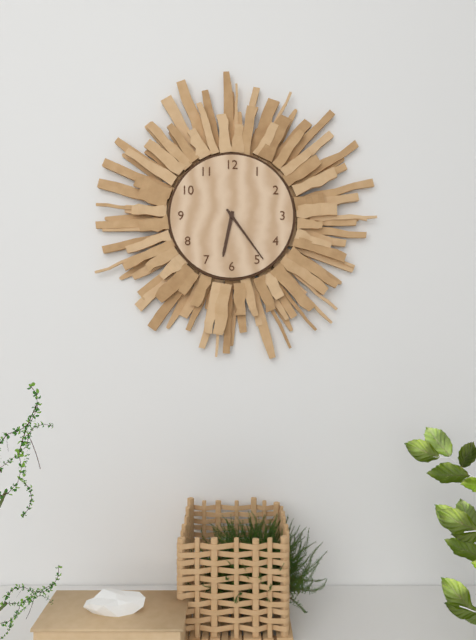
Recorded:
**6:24**
